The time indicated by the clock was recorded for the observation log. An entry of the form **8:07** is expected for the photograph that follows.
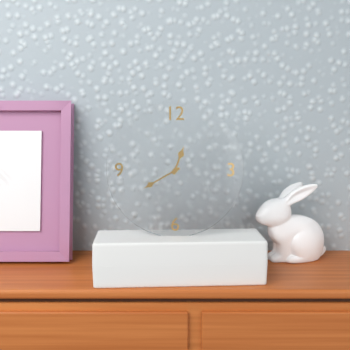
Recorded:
**12:40**
